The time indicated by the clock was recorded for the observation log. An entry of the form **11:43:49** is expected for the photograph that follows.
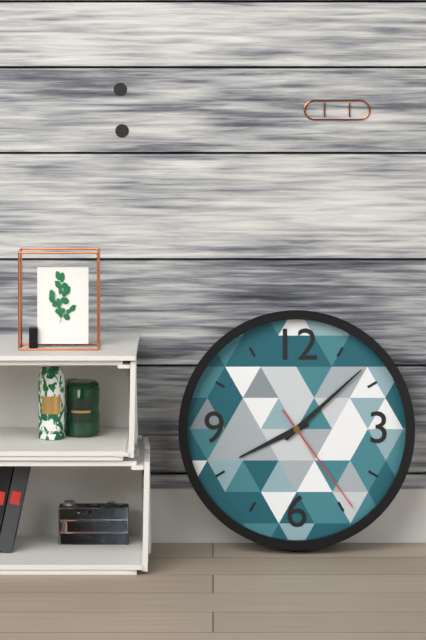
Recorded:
**8:08:24**
